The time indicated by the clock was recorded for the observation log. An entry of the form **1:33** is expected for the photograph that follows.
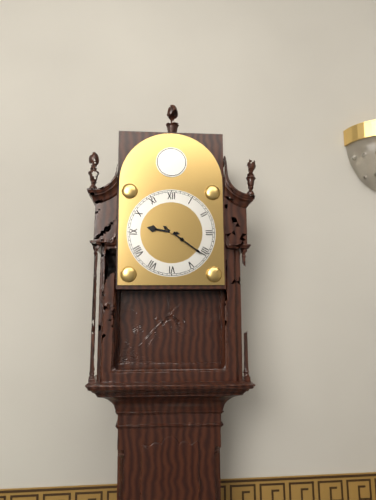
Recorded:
**9:21**
